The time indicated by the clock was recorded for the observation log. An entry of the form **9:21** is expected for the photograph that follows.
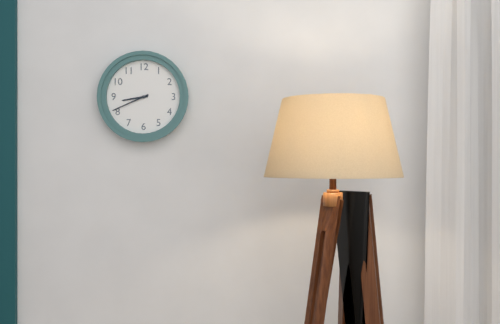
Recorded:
**8:41**
